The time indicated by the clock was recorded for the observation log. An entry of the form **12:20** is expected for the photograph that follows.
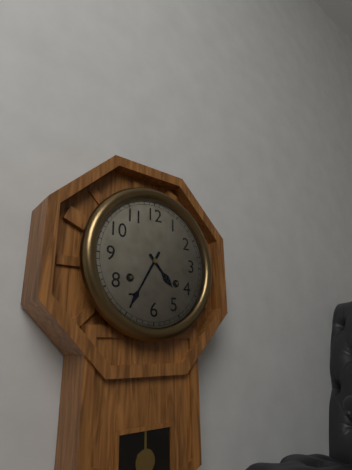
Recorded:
**4:35**
